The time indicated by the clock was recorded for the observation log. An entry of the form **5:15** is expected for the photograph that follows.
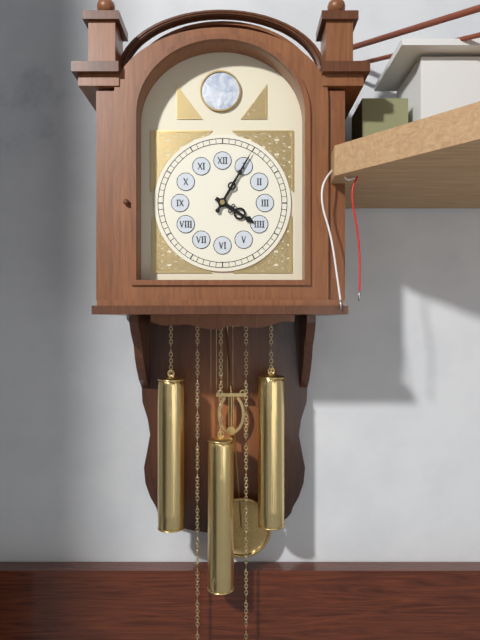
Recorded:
**4:05**
